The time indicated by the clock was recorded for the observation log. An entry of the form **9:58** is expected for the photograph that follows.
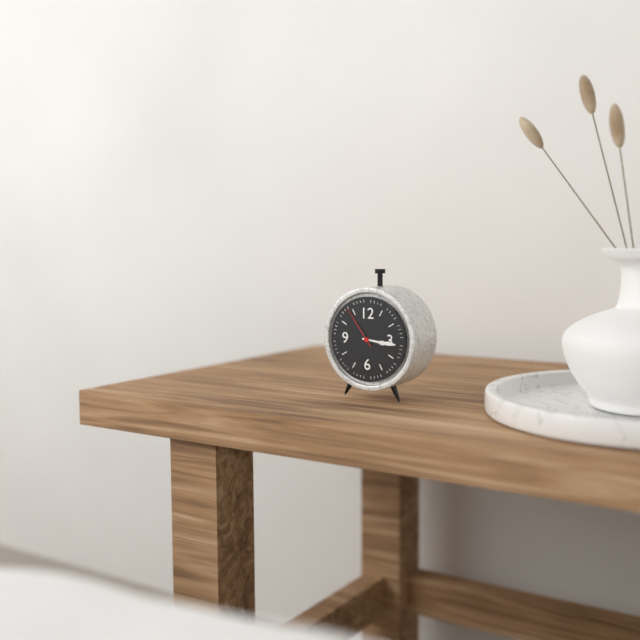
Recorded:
**3:16**
